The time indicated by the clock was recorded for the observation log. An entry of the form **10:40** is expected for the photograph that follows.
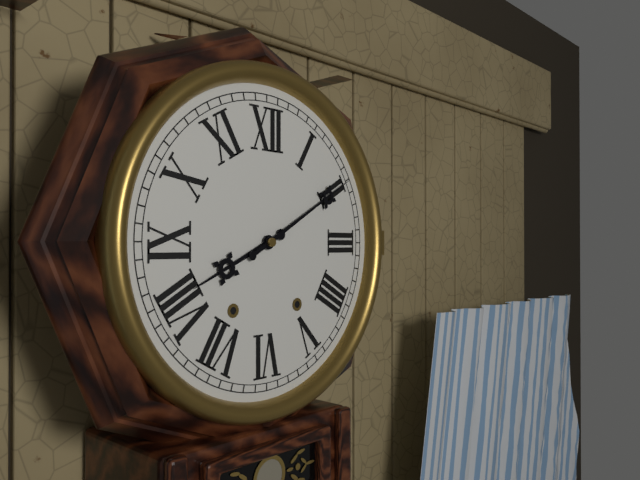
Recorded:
**8:10**
